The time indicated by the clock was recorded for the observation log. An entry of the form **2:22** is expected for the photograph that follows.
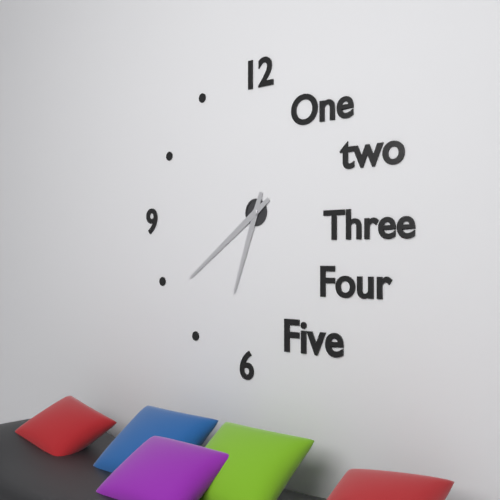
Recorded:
**6:39**
